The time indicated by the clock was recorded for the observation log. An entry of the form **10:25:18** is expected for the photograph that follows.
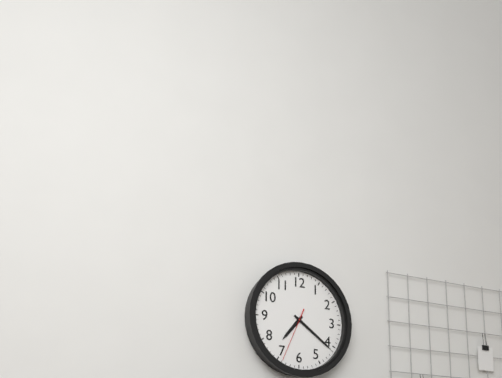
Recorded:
**7:21:34**
